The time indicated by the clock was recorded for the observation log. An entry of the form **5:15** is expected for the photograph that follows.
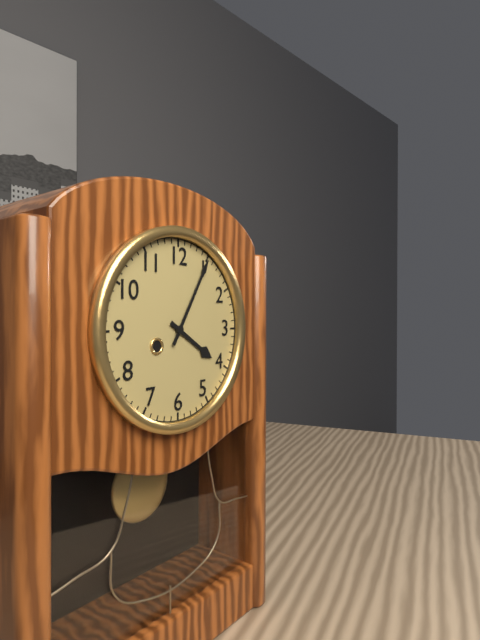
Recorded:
**4:05**
